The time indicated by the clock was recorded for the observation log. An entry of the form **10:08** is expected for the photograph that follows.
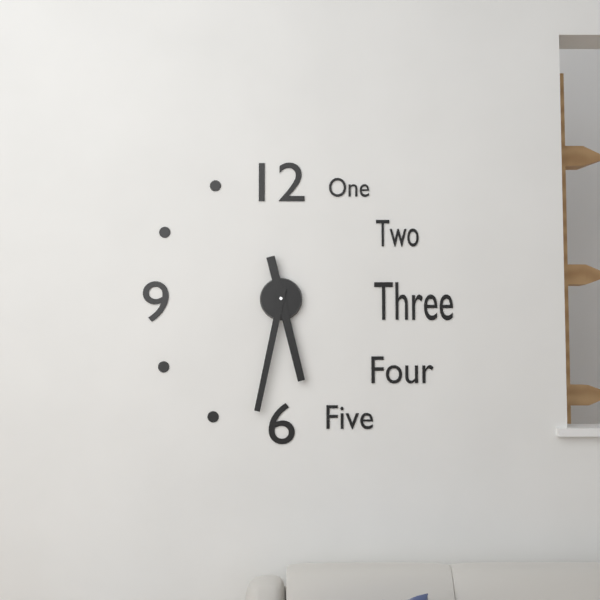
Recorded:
**5:32**
